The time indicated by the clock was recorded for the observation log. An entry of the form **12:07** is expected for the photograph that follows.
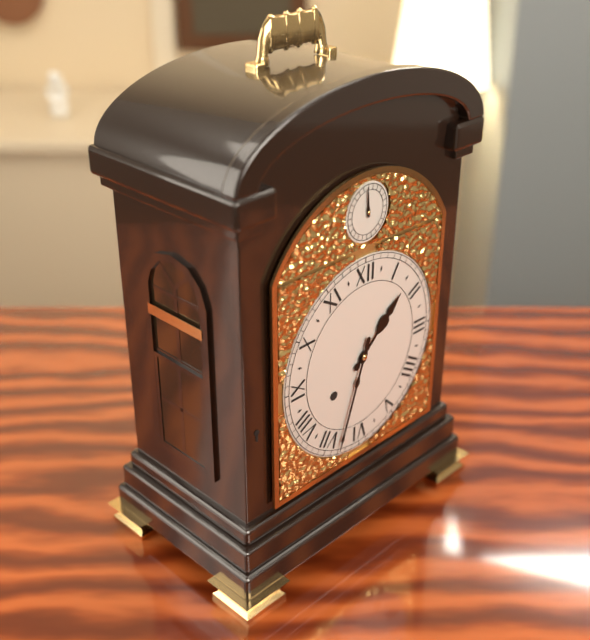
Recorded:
**1:33**
